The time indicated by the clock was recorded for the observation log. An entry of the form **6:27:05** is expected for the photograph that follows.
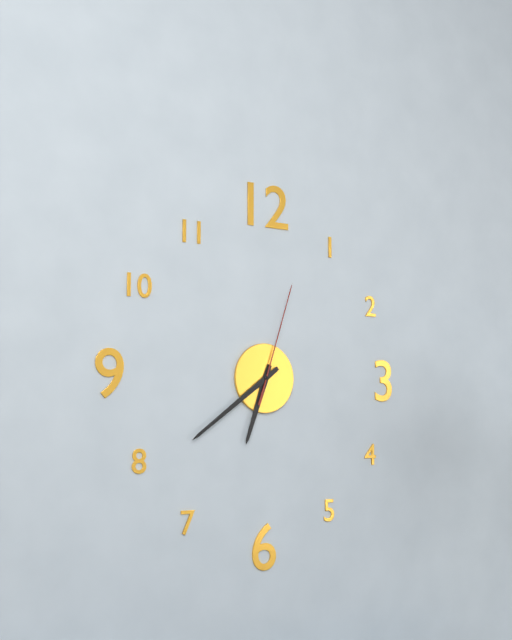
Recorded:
**6:39:03**
